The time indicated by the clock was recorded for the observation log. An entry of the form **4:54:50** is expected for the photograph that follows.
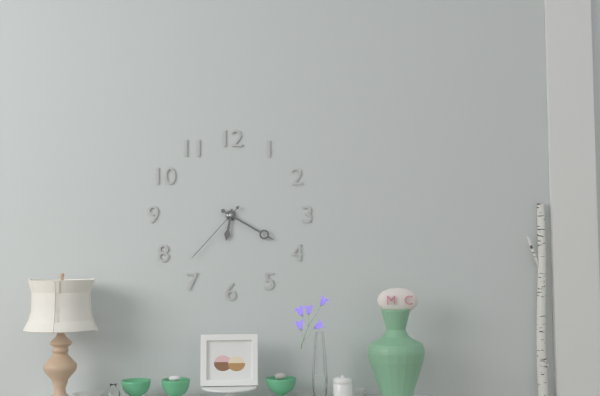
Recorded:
**6:20:37**
